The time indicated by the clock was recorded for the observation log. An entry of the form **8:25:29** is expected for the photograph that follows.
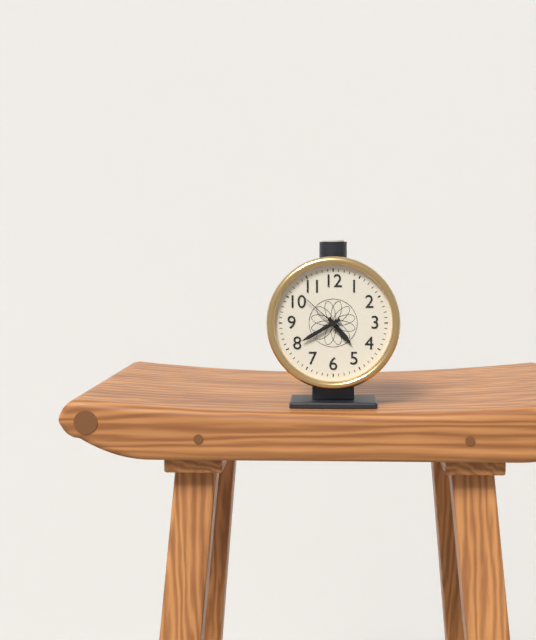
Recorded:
**4:40:52**
